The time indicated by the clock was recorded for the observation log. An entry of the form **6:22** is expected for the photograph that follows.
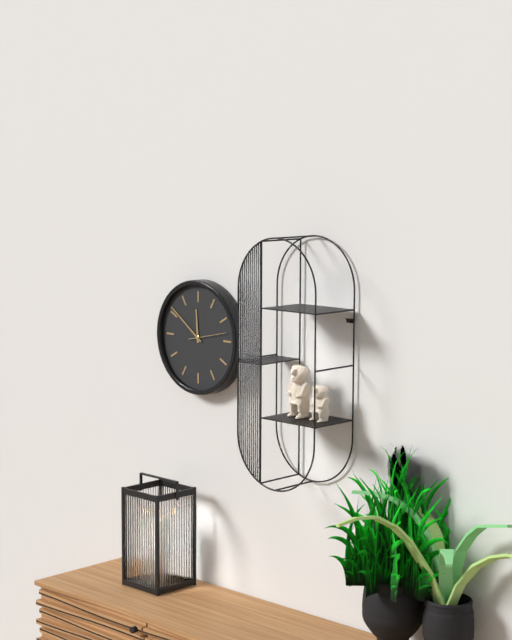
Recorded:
**11:51**
